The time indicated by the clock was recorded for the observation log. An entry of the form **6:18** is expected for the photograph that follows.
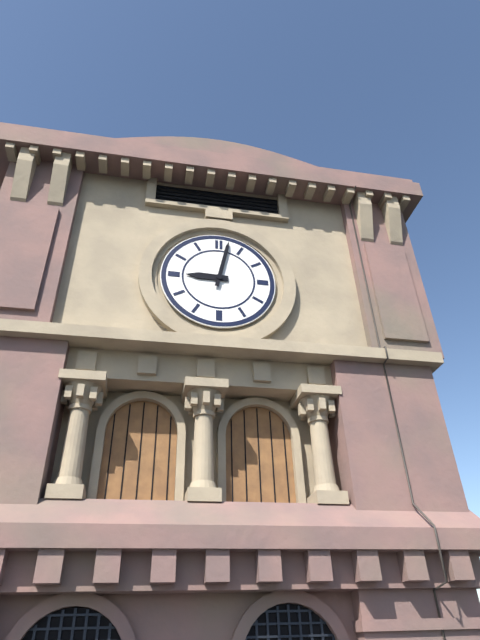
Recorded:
**9:02**
